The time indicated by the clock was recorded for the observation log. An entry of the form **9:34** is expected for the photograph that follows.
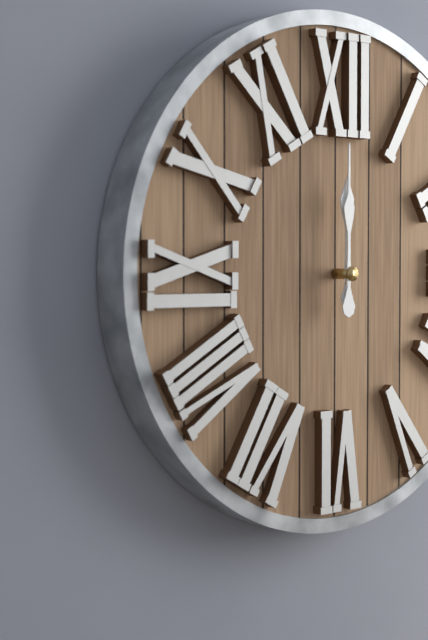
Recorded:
**12:00**
